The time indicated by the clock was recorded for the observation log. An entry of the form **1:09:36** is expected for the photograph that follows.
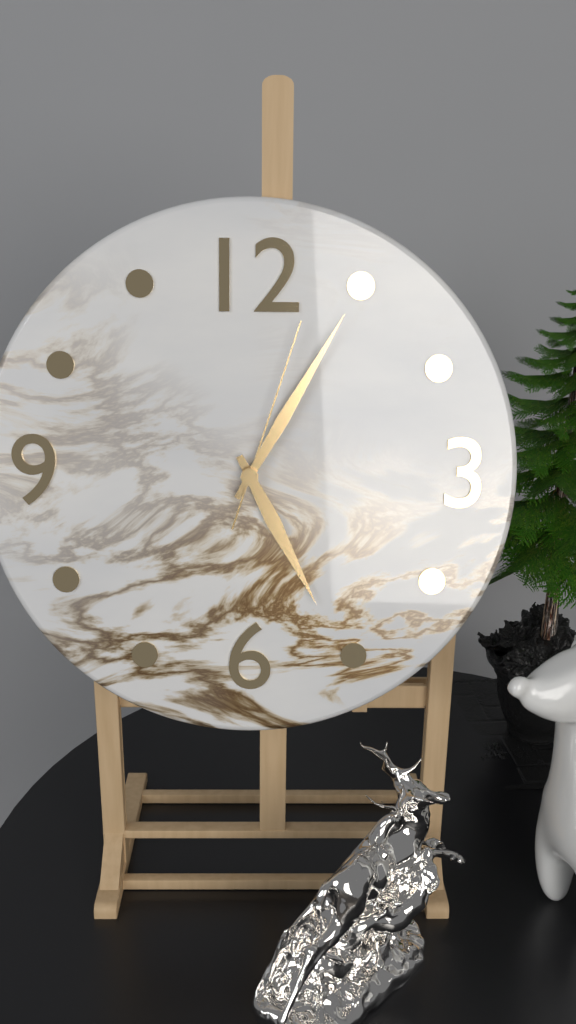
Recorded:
**5:05:03**
